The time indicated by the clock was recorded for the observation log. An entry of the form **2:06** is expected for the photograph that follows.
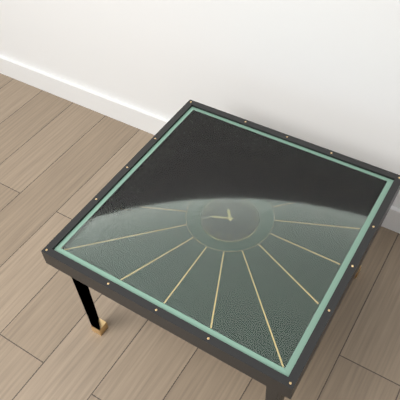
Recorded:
**10:41**
